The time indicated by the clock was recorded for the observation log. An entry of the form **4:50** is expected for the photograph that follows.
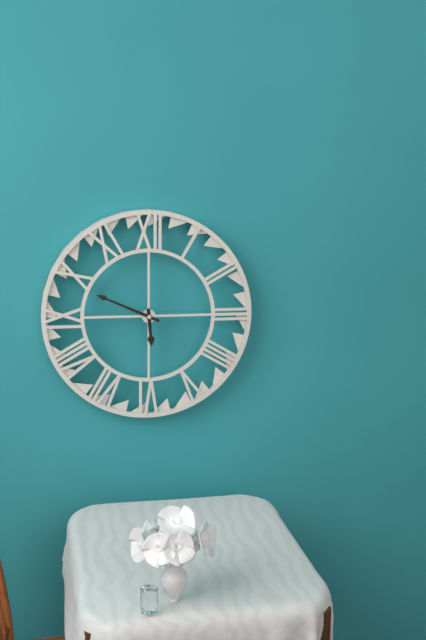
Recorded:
**5:49**
